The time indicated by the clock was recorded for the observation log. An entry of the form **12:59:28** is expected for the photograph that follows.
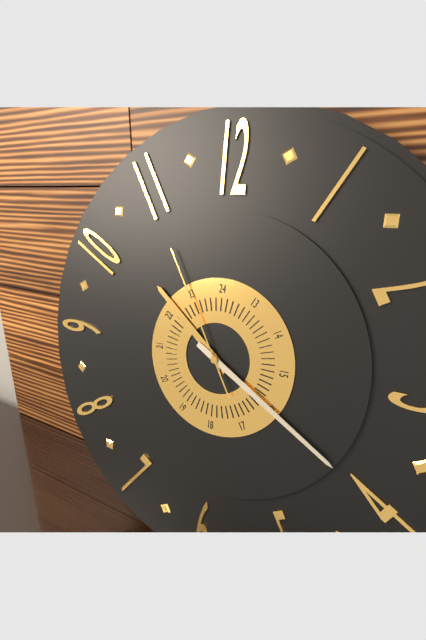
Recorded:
**10:20:55**
